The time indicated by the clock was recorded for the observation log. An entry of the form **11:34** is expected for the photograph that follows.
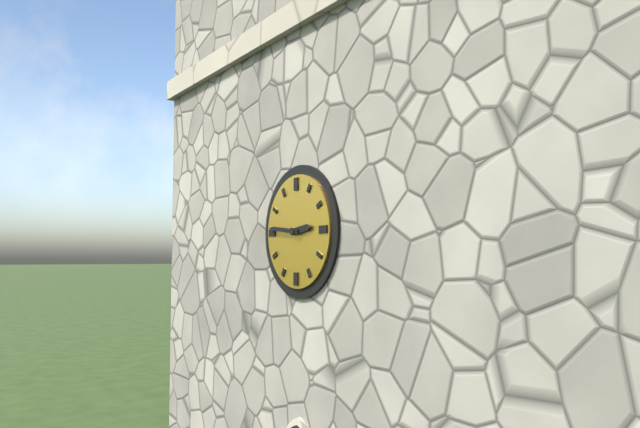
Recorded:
**2:46**
